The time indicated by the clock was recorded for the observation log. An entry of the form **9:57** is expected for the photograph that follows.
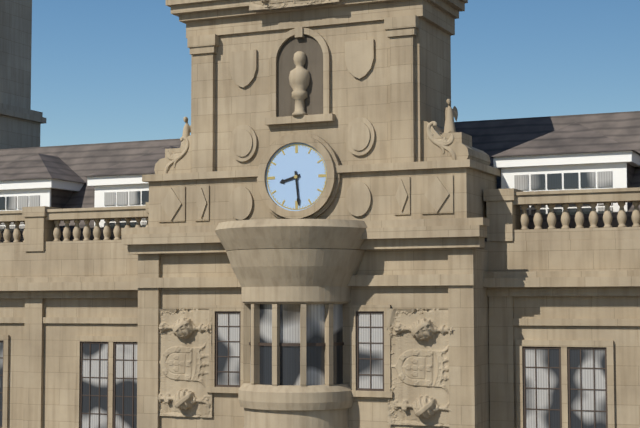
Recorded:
**8:29**
